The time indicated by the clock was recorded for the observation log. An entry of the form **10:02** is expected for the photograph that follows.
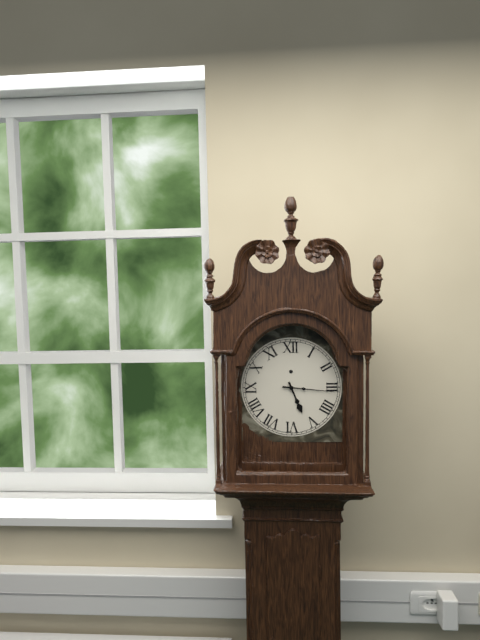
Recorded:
**5:16**
